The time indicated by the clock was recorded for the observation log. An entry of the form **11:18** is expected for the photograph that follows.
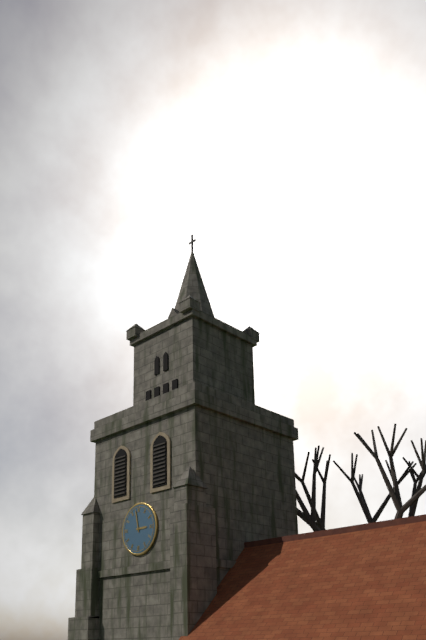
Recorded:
**2:58**
